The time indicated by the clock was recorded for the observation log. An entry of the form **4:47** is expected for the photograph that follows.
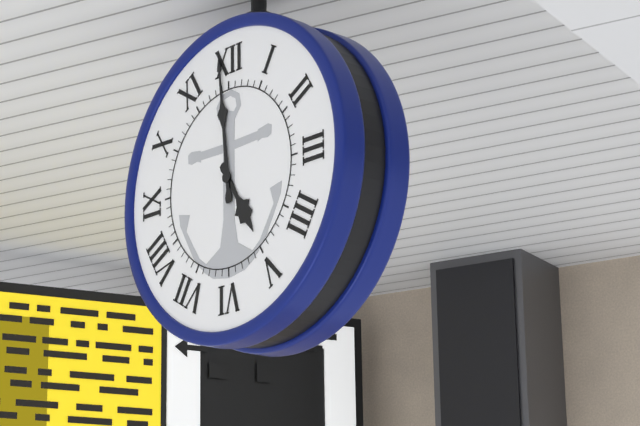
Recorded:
**4:59**
